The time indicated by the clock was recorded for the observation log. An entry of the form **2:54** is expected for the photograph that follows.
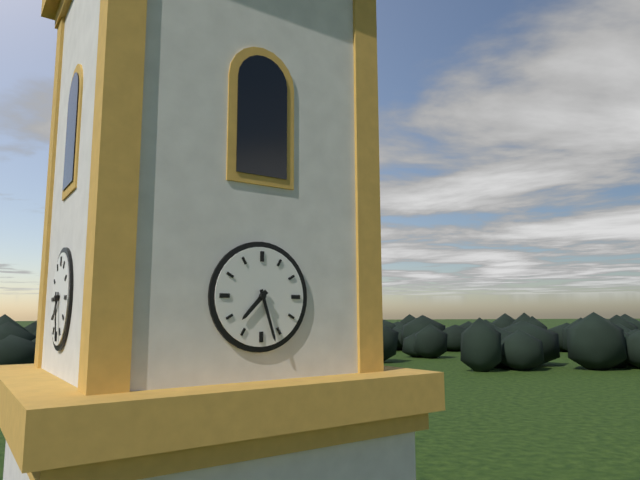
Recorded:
**7:27**
